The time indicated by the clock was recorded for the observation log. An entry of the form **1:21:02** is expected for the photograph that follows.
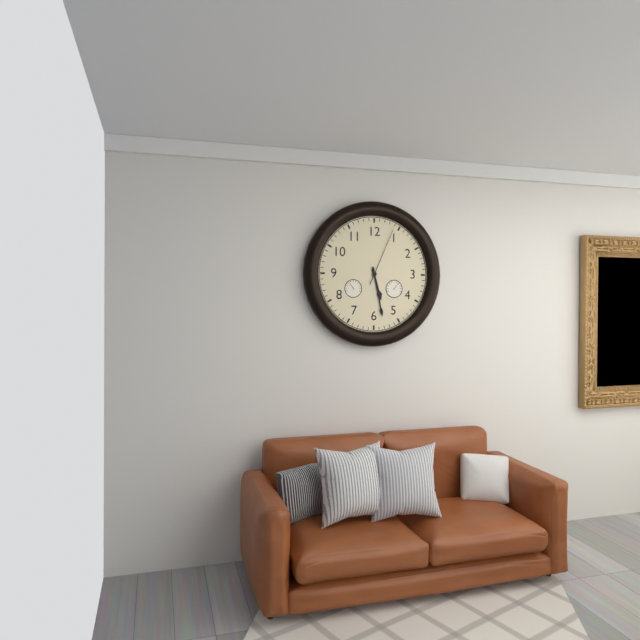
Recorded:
**5:28:04**
